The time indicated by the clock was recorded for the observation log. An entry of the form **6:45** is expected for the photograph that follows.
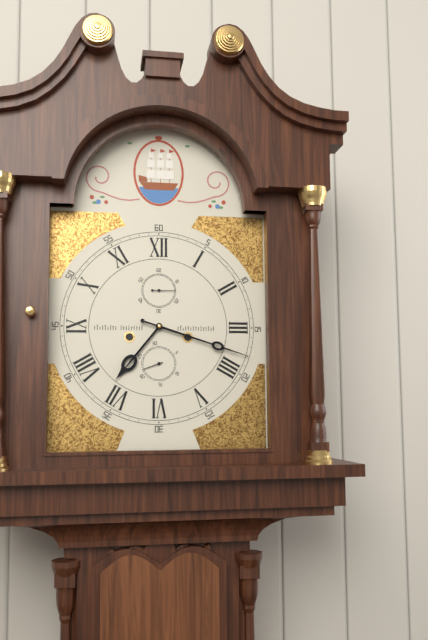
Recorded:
**7:18**
